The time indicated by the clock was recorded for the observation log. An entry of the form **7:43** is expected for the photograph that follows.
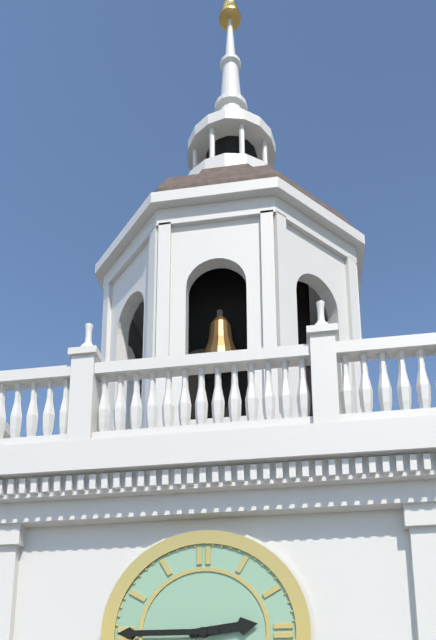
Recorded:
**2:45**
